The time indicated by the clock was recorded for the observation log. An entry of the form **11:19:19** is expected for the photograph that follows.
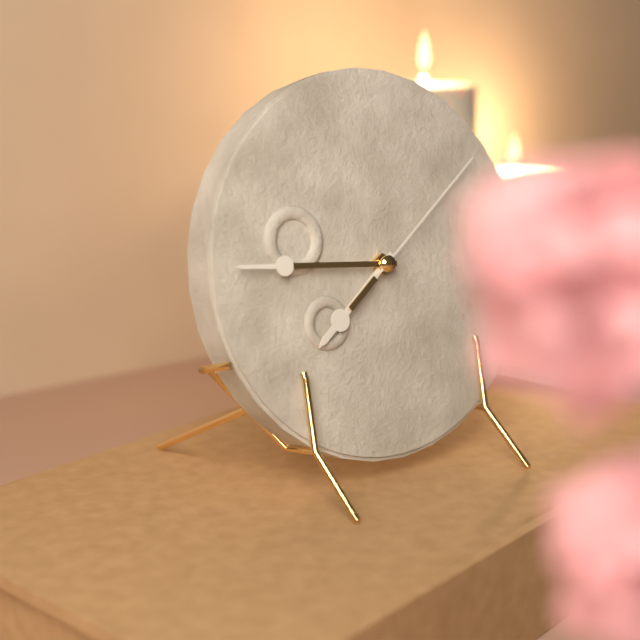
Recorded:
**7:46:09**
